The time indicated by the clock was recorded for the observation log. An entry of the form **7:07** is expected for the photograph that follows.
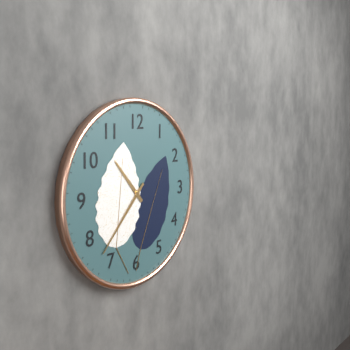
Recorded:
**10:37**
